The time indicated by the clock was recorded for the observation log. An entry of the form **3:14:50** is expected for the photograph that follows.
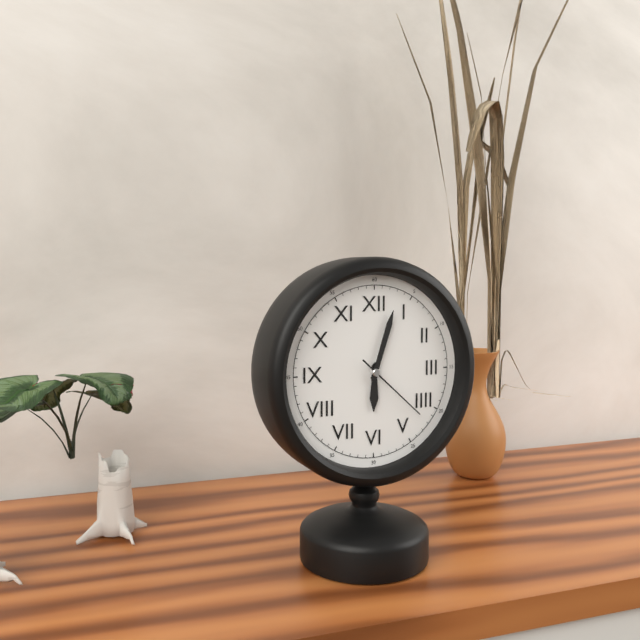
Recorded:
**6:03:22**
